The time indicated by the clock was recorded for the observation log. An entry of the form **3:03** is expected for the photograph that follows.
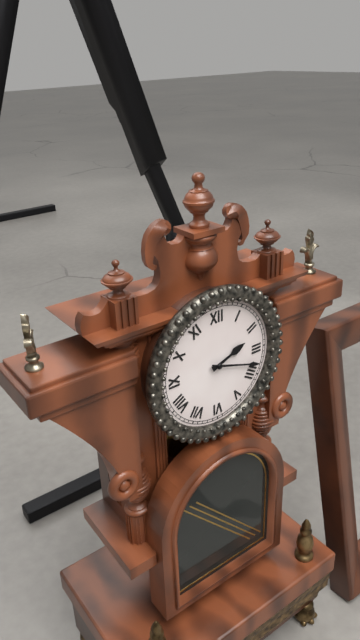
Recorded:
**2:18**
